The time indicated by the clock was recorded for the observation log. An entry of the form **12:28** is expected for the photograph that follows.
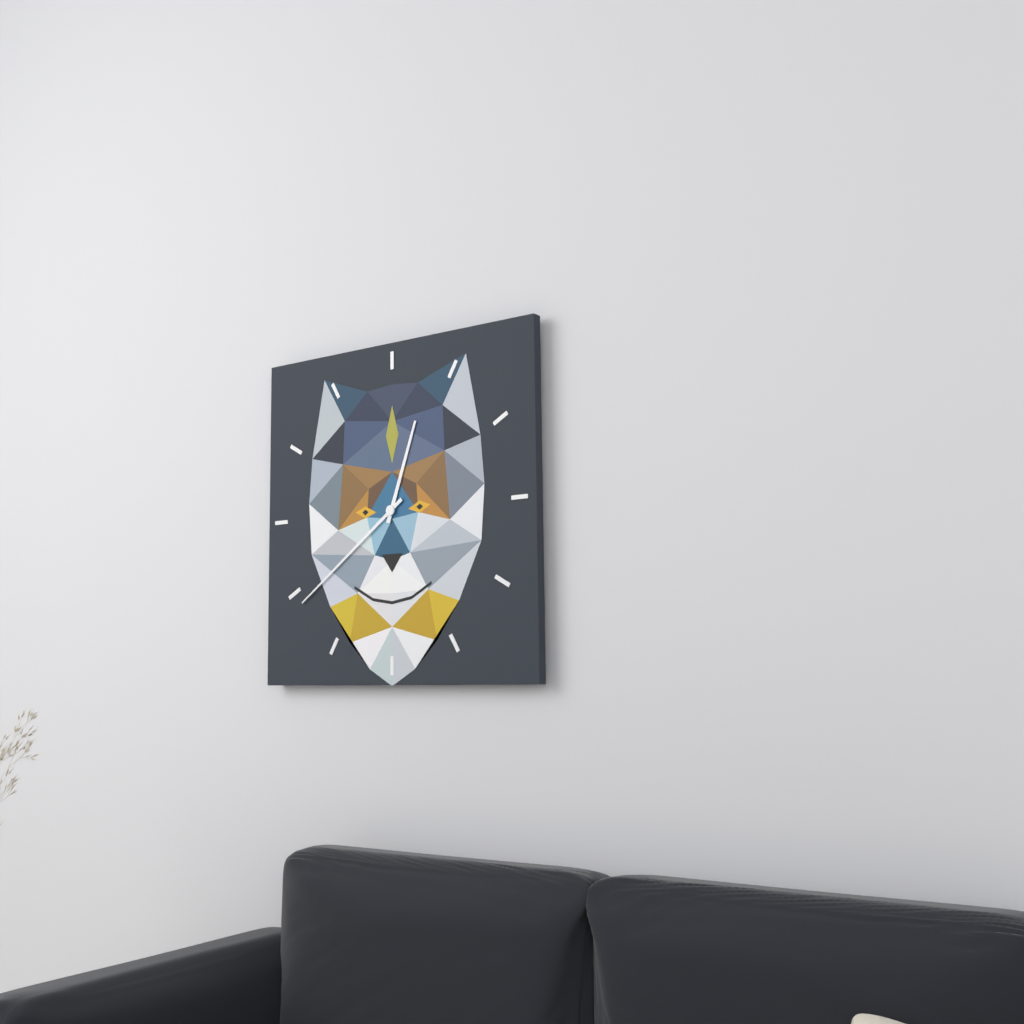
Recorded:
**12:39**
